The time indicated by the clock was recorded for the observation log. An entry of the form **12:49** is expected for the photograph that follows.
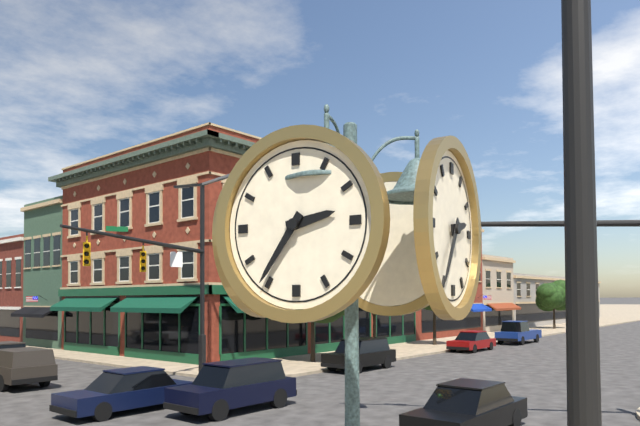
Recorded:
**2:36**
